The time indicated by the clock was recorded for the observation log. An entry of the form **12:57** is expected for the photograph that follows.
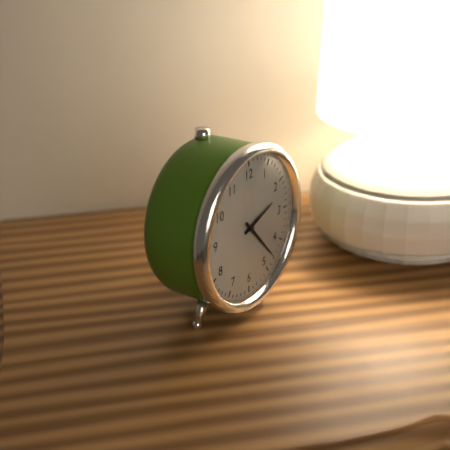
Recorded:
**2:23**
